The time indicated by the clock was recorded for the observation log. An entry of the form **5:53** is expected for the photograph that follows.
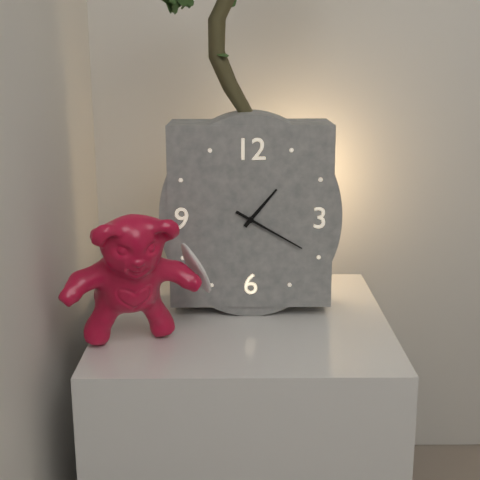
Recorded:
**1:20**
